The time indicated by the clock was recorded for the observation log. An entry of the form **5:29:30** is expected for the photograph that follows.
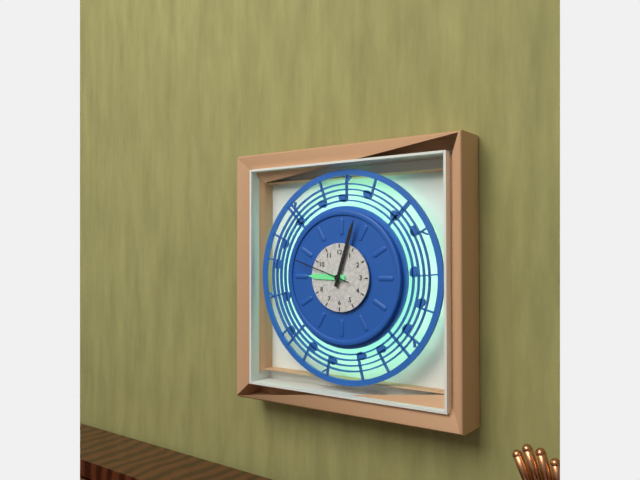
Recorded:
**9:03:48**
